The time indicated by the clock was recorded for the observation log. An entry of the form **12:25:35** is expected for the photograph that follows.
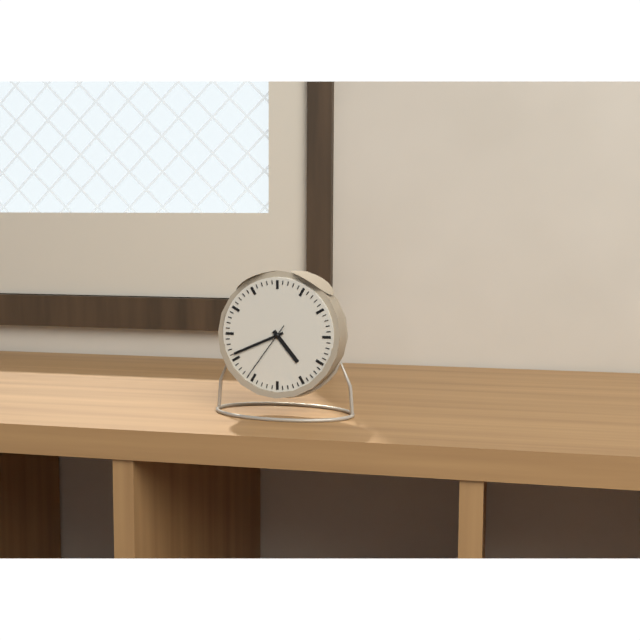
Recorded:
**4:41:36**
